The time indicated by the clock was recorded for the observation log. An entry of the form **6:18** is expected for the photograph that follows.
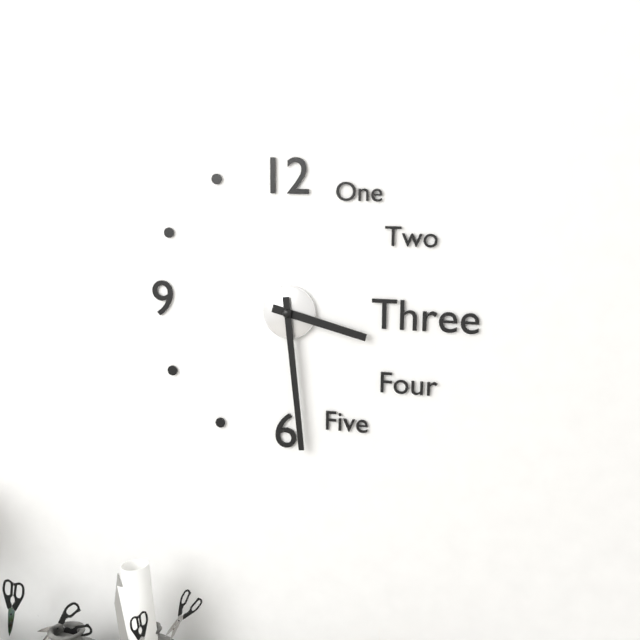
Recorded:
**3:29**
